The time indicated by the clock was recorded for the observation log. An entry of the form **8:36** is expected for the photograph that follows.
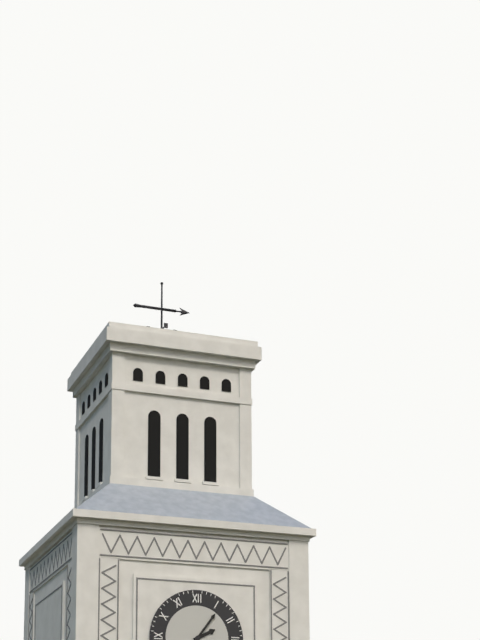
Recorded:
**2:06**
